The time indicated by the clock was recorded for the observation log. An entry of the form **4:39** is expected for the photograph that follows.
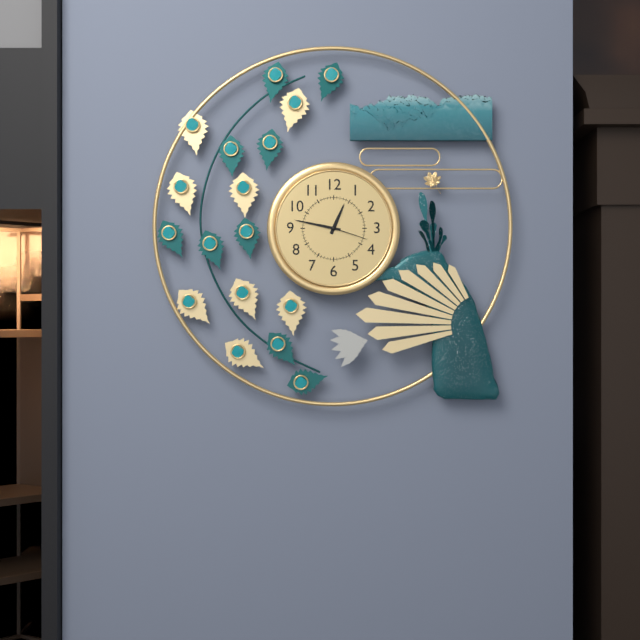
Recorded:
**12:47**
